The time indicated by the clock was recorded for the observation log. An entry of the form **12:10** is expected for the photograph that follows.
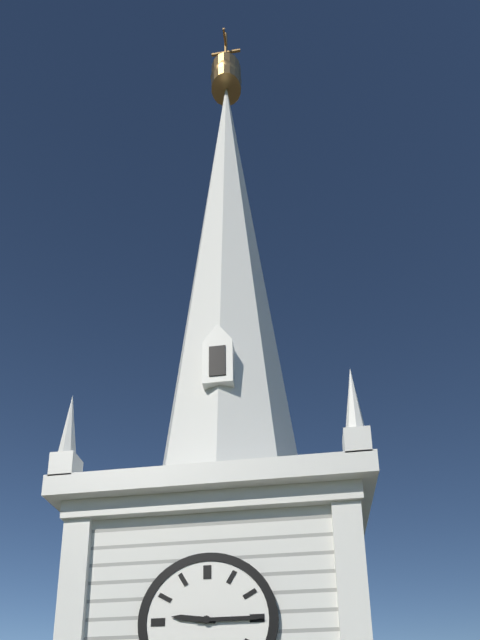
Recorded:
**9:15**
